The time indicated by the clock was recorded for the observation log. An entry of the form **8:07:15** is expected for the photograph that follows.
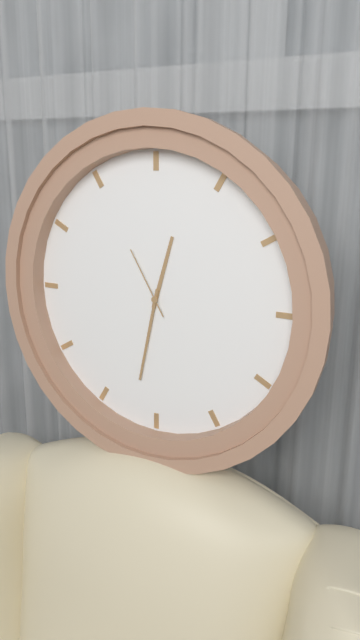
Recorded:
**12:32:55**
